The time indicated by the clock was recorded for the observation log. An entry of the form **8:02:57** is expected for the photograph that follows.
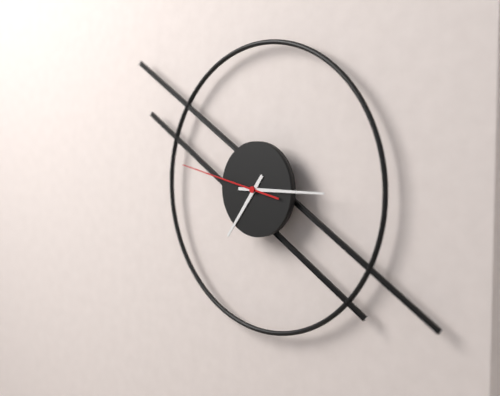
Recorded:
**7:15:47**
